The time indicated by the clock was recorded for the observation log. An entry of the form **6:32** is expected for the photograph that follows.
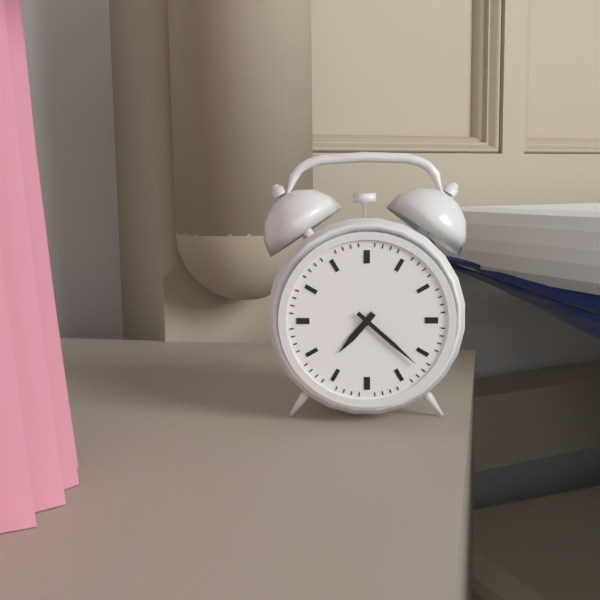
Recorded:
**7:22**
